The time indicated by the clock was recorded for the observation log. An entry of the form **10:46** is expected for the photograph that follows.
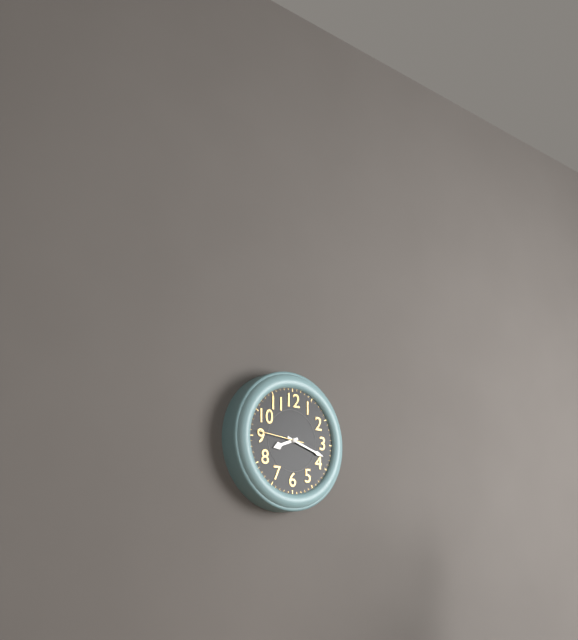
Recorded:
**8:18**
